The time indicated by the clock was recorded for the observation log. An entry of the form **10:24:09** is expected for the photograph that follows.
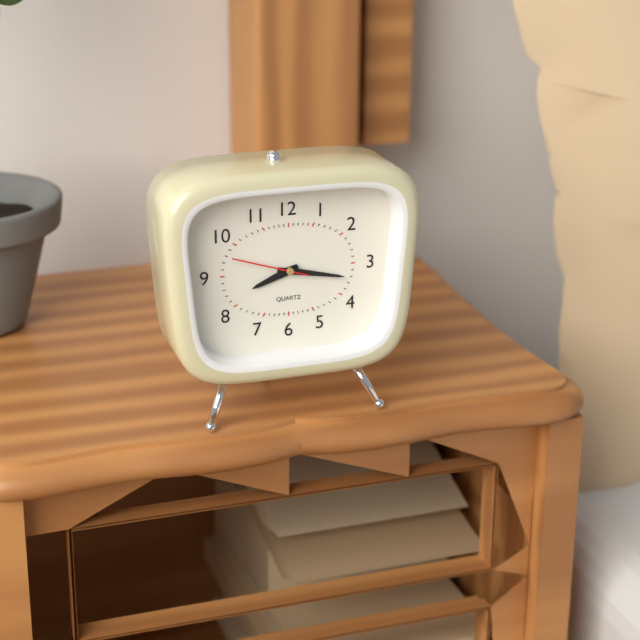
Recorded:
**8:17:48**
